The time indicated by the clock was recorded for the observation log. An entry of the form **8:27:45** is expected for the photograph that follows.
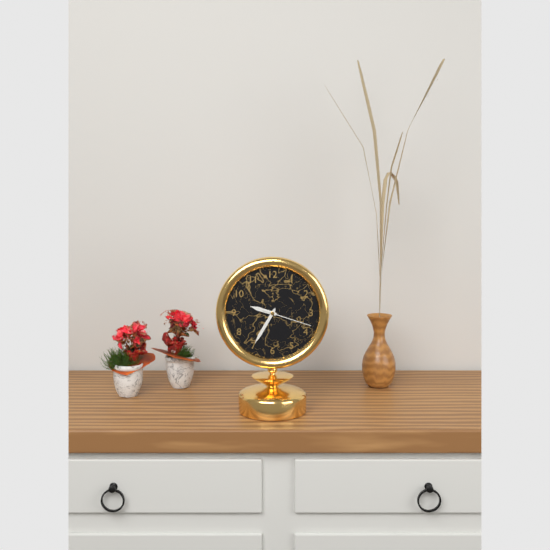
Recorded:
**9:35:18**
